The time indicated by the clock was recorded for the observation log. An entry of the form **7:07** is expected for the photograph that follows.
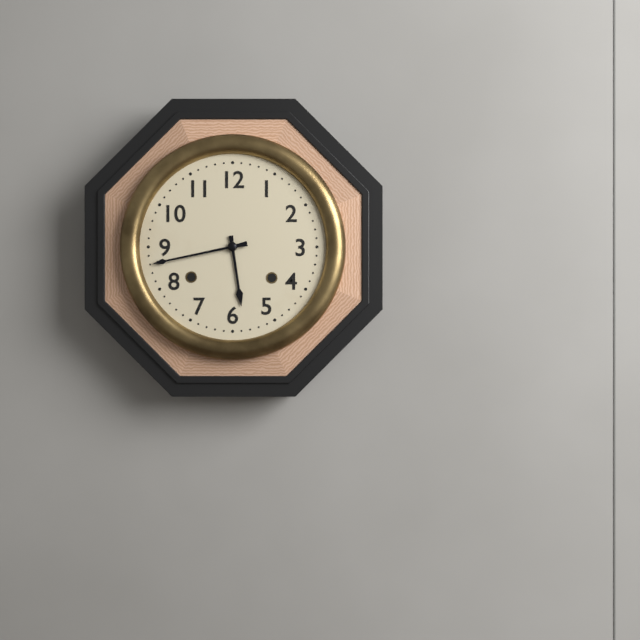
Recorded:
**5:43**
